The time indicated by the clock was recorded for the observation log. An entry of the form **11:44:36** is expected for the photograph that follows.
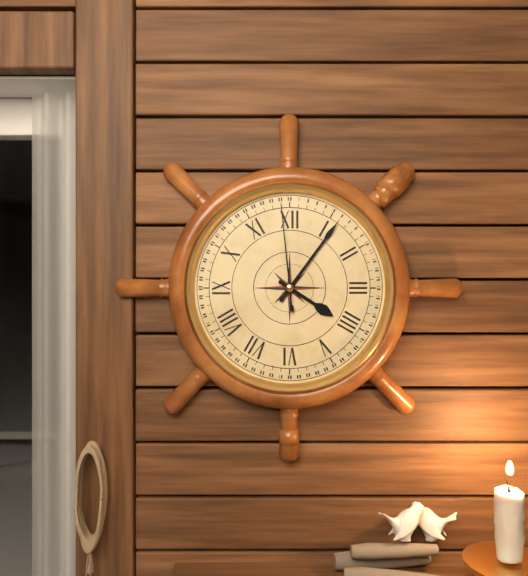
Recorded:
**4:06:59**
